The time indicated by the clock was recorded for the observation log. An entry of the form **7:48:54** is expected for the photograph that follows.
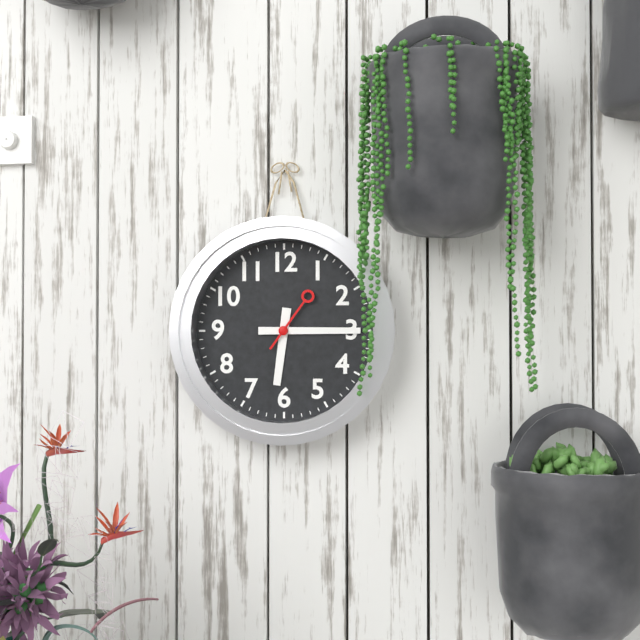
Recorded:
**6:15:06**
